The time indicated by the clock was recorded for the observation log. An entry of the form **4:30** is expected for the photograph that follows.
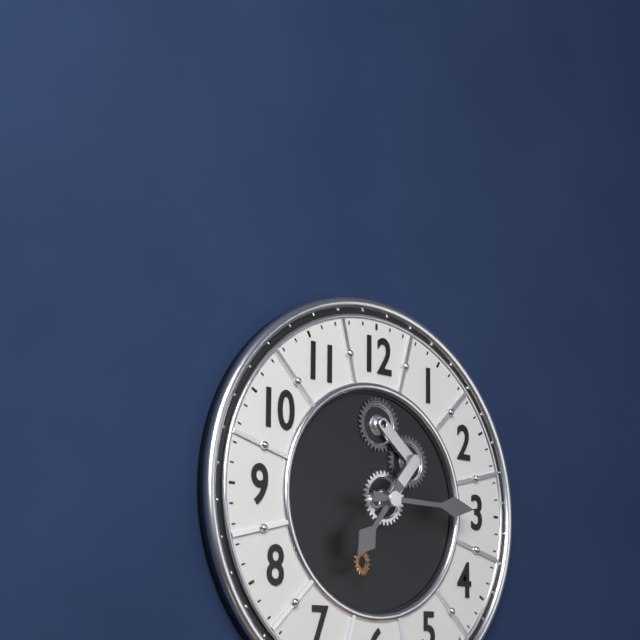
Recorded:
**7:15**
